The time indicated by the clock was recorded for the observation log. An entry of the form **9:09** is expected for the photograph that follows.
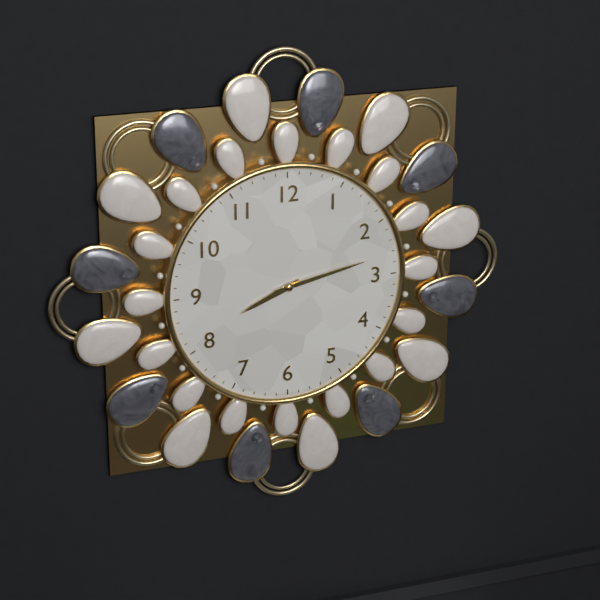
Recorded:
**8:13**
